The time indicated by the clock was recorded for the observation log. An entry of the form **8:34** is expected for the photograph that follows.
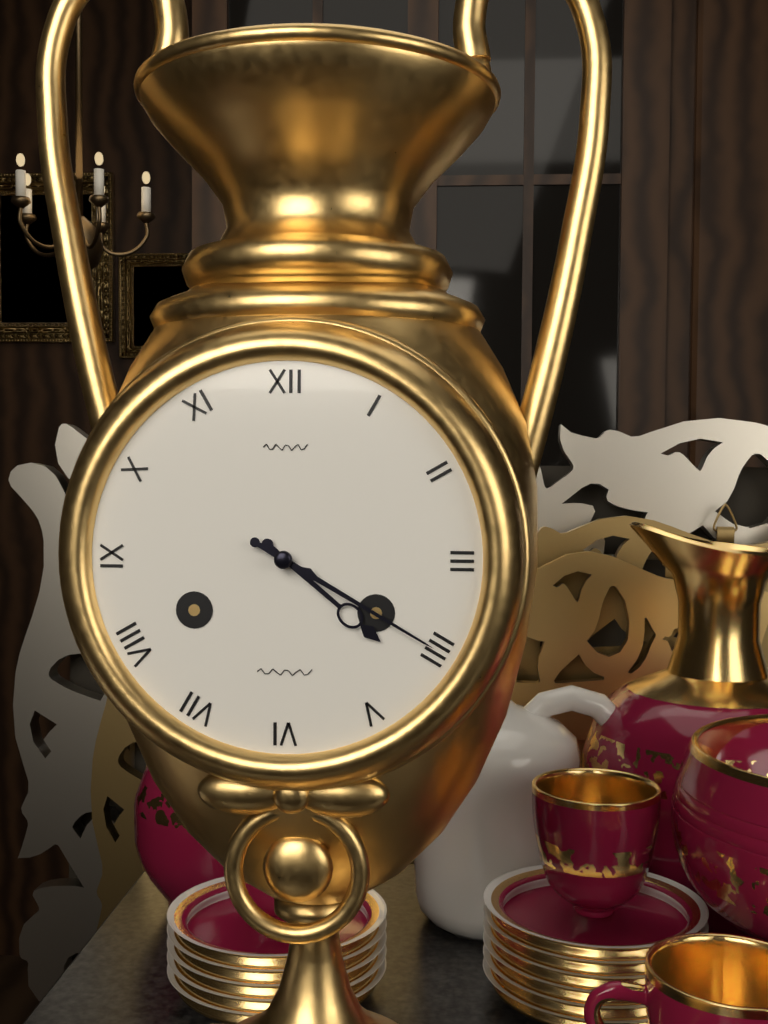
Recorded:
**4:20**
